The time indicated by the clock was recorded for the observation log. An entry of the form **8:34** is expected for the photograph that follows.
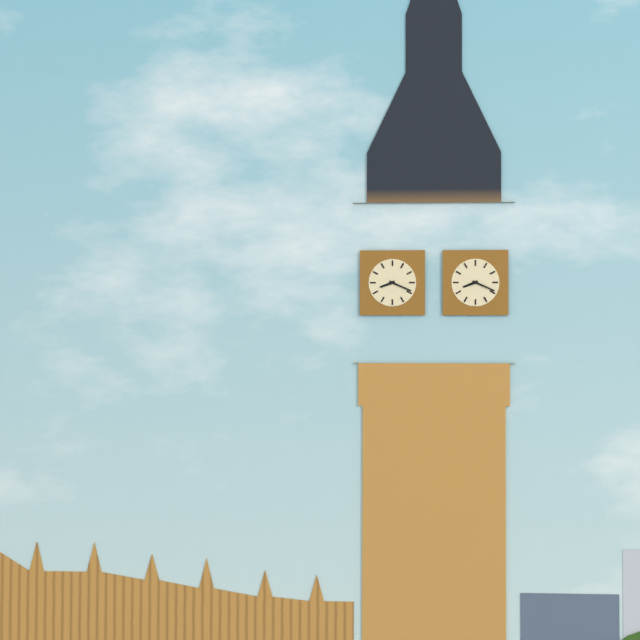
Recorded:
**8:19**
